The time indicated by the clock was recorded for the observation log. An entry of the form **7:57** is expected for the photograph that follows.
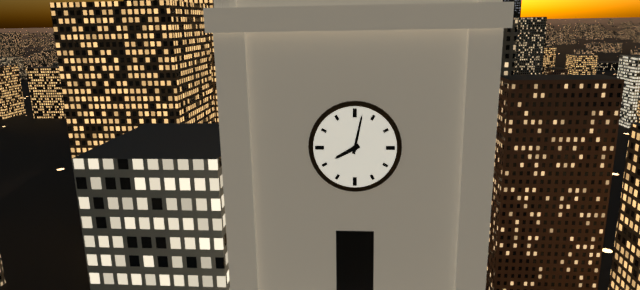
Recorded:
**8:02**
